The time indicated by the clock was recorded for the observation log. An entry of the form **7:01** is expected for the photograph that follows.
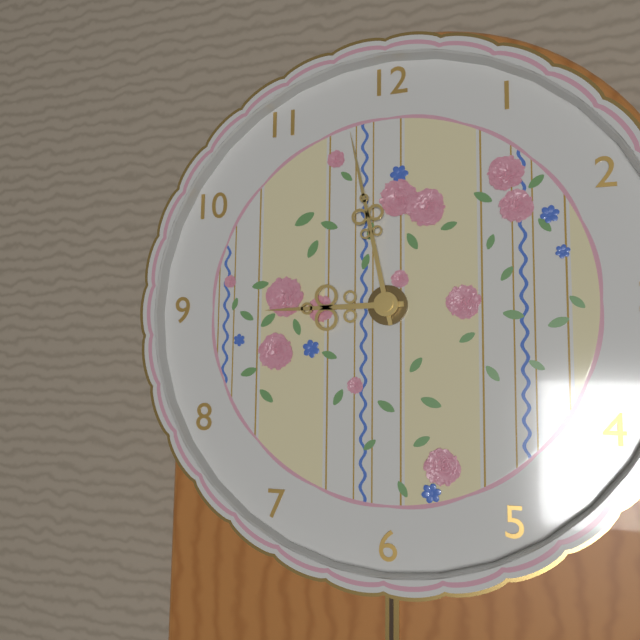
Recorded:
**8:58**
